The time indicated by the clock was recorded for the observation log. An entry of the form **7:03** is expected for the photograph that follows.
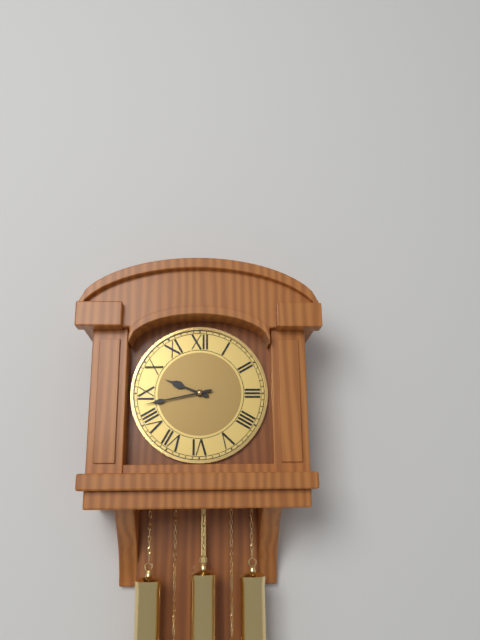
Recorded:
**9:43**
